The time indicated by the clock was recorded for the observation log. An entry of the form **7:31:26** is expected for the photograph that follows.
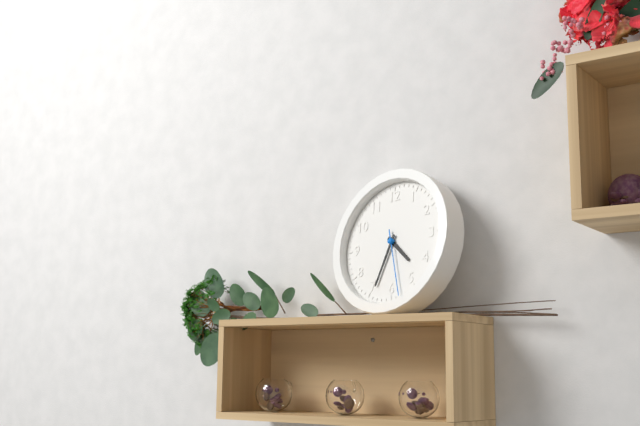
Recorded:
**4:34:28**
